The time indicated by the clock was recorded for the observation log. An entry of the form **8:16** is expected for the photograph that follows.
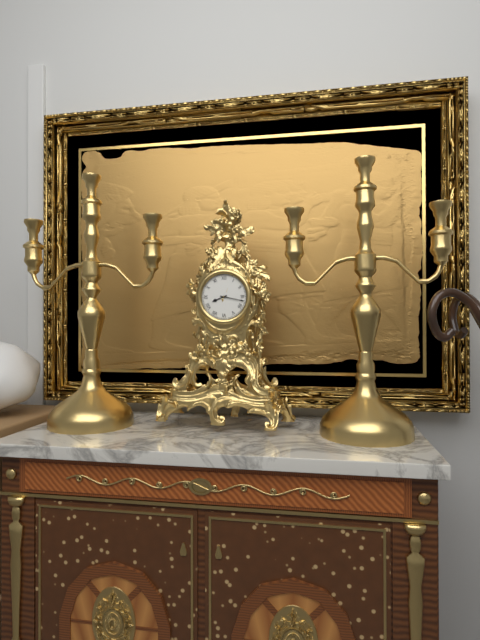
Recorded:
**8:17**
